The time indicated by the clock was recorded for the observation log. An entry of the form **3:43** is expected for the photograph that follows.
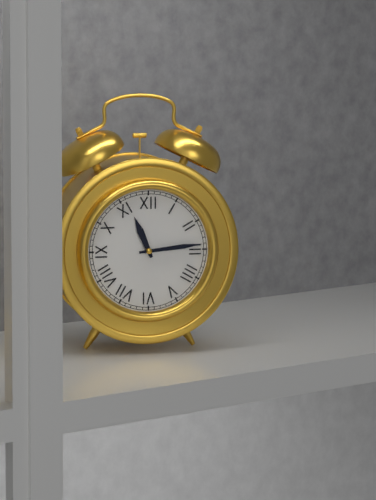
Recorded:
**11:14**
